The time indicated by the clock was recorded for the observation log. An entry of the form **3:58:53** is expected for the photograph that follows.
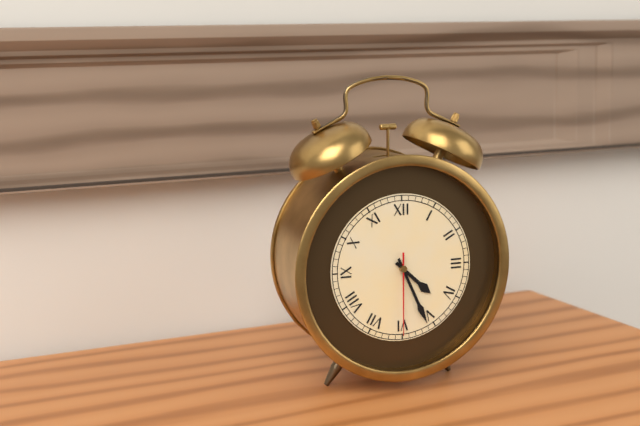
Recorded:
**4:26:30**
